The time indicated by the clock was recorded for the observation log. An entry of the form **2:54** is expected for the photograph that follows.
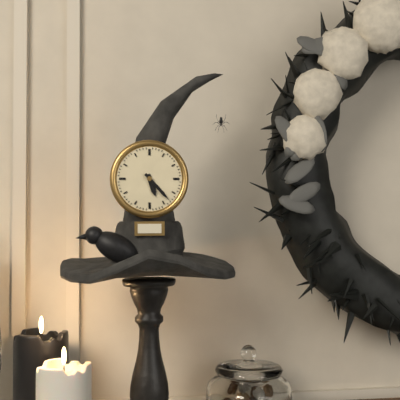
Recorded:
**5:23**
